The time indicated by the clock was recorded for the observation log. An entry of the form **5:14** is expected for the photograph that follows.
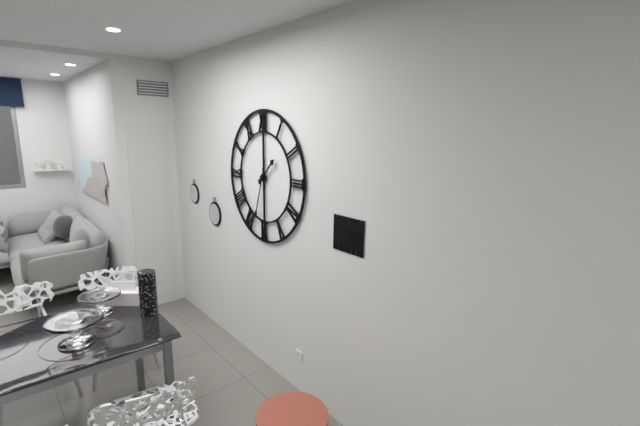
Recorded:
**1:33**
